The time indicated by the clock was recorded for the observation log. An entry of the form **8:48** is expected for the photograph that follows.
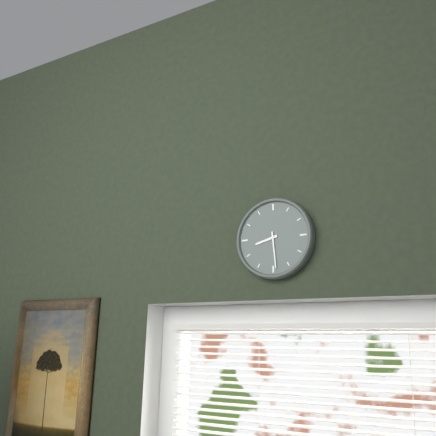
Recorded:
**8:29**
